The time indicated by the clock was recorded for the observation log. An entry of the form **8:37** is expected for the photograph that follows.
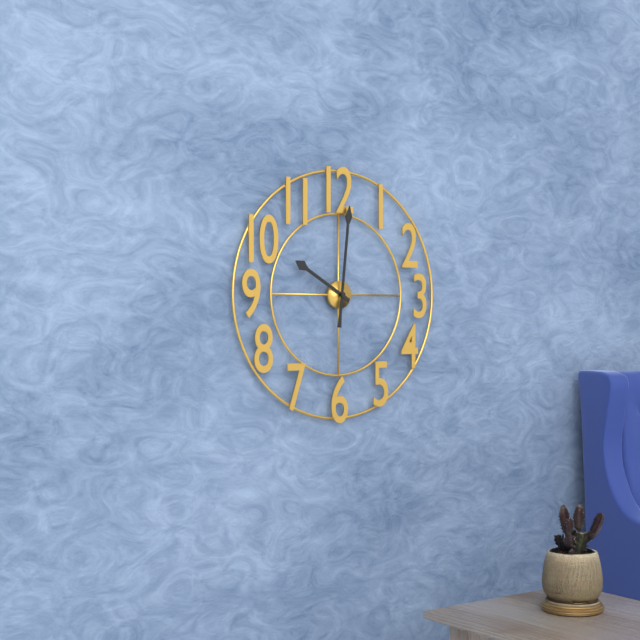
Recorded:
**10:01**
